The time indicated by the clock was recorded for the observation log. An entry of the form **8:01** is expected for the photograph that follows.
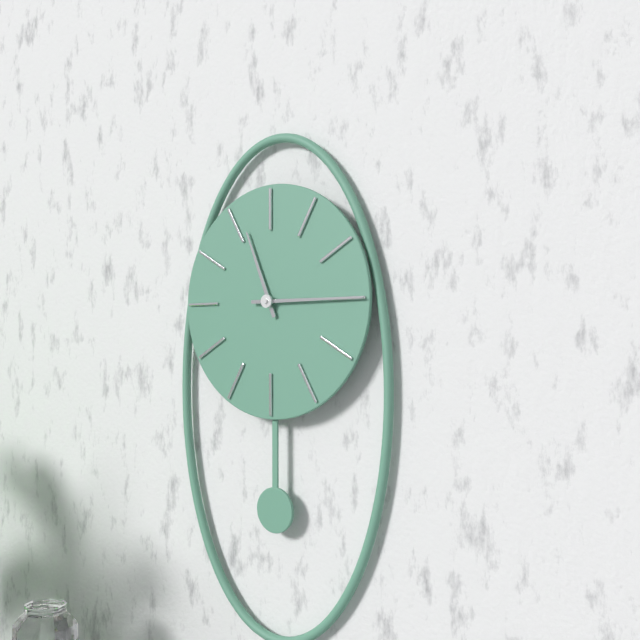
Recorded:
**11:15**
